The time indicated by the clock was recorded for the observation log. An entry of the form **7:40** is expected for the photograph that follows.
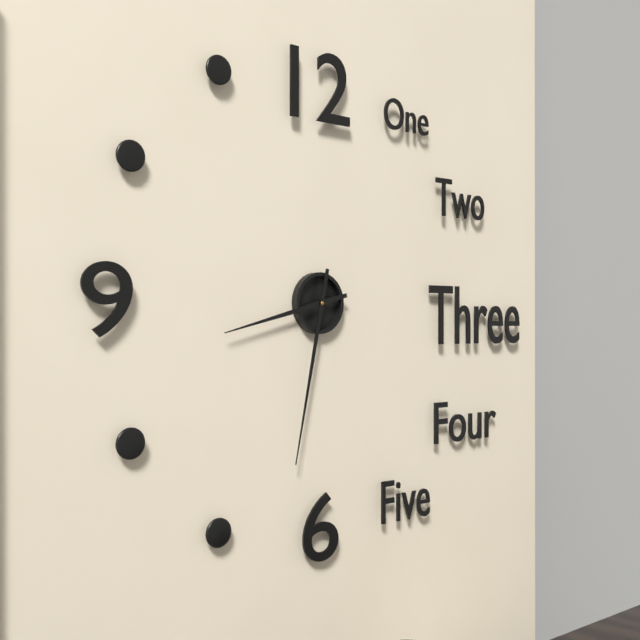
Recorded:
**8:32**
